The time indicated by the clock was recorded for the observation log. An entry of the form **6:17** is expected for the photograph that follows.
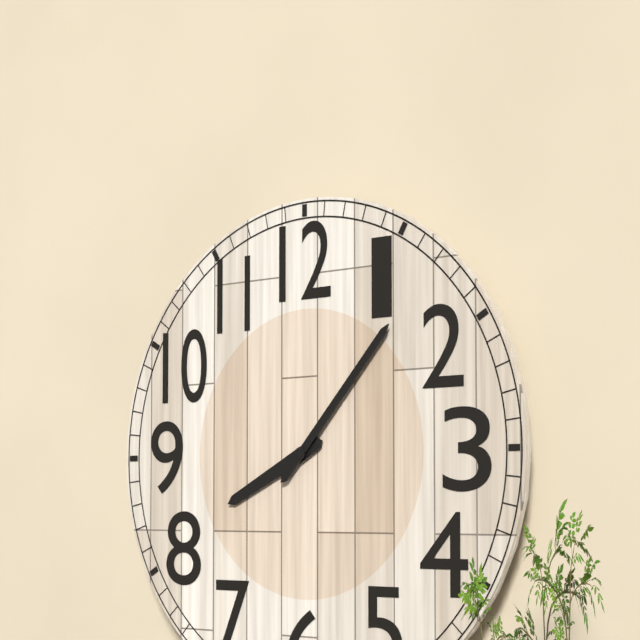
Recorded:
**8:07**
